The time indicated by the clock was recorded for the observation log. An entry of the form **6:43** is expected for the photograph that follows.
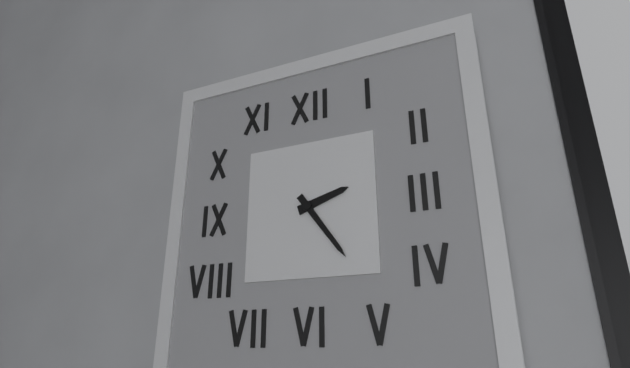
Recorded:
**2:24**
